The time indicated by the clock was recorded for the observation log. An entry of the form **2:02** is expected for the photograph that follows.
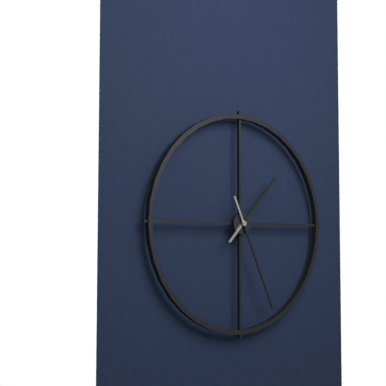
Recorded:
**1:26**
